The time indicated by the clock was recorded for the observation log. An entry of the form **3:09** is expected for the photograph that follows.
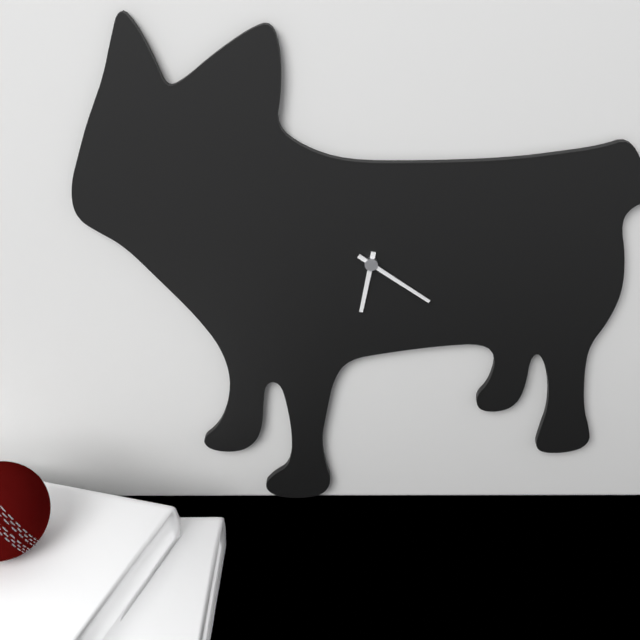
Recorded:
**6:21**
